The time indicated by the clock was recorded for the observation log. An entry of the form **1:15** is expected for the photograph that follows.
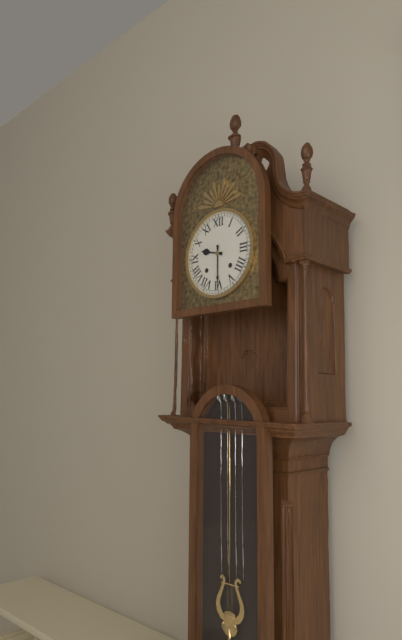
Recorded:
**9:30**
